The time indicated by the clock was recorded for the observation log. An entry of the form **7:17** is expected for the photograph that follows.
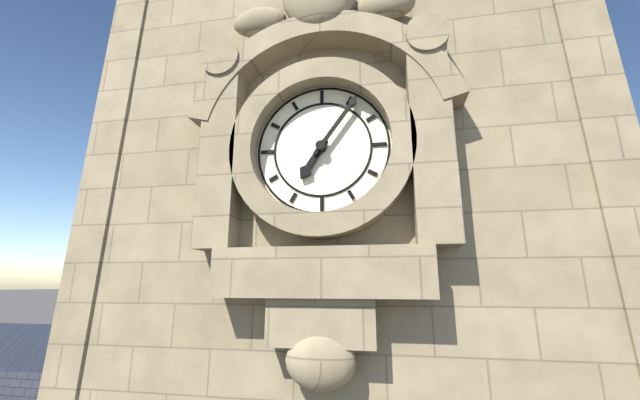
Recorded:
**7:06**
